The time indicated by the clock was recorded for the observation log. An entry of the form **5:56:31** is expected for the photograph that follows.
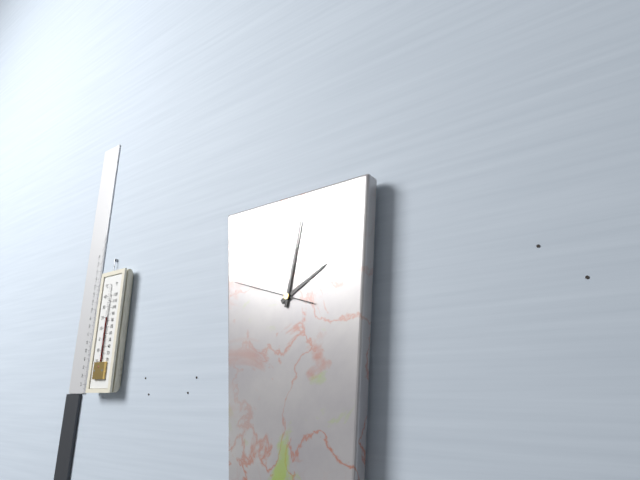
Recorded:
**2:02:48**
